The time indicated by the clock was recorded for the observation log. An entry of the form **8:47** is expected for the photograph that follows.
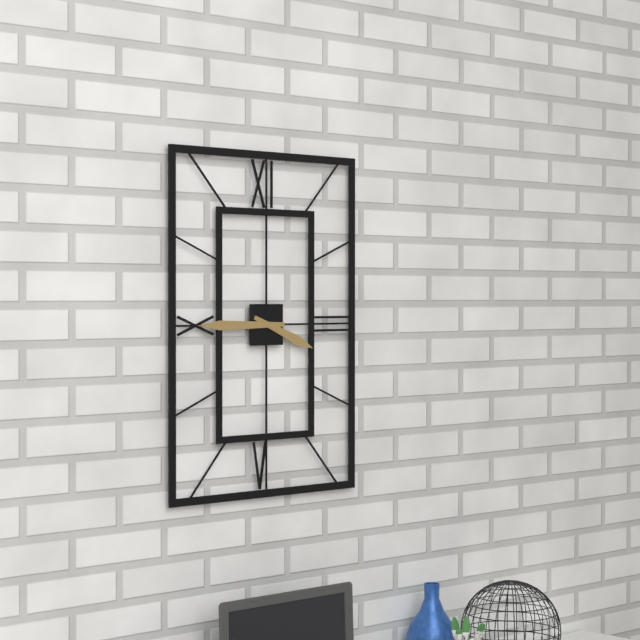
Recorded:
**3:45**
